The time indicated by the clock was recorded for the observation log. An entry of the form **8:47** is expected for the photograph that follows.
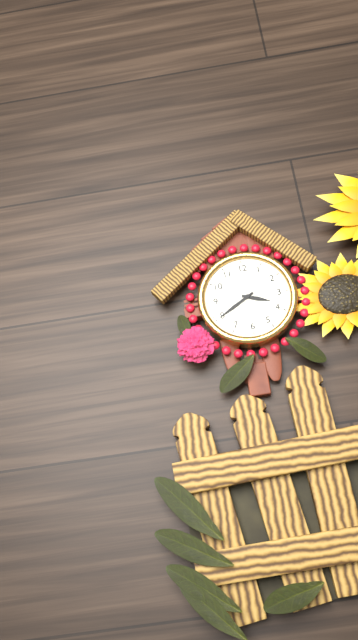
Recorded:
**3:40**
